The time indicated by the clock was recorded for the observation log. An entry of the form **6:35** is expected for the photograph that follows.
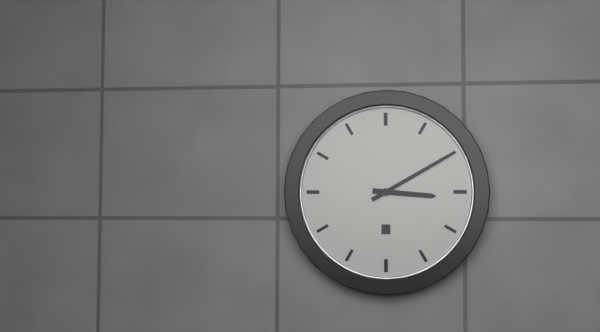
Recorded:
**3:10**
